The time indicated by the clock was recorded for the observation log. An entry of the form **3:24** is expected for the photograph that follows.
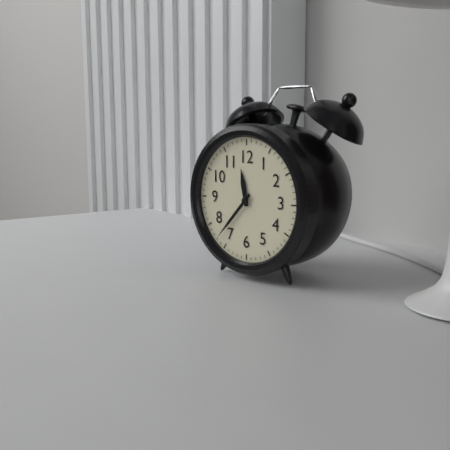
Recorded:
**11:37**
